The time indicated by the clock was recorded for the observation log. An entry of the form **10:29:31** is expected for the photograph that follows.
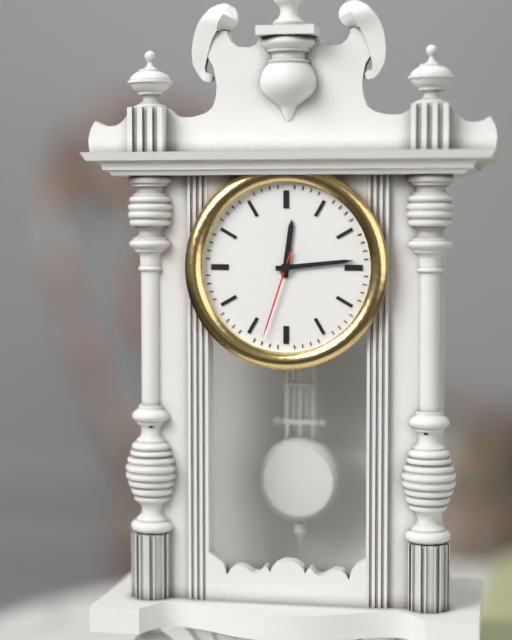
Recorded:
**12:14:33**
